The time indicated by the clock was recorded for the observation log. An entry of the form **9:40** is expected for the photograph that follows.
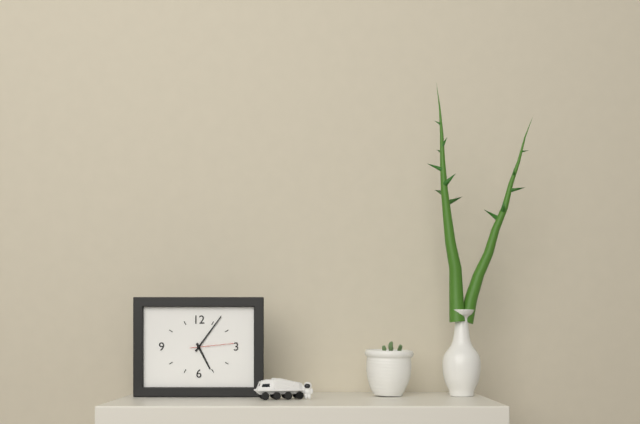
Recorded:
**5:06**
